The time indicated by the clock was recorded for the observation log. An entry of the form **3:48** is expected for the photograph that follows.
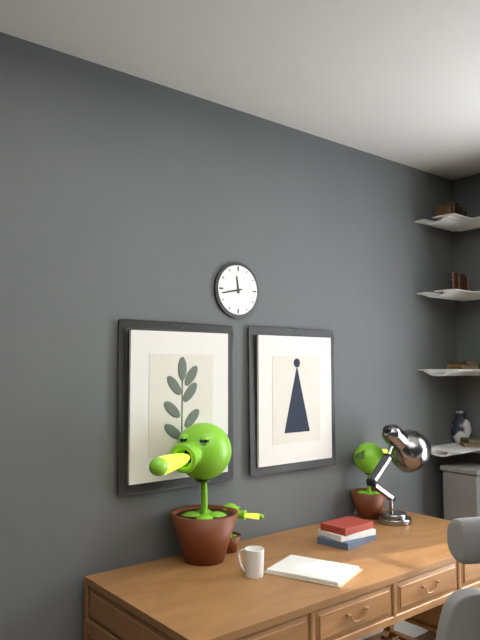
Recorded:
**11:43**
